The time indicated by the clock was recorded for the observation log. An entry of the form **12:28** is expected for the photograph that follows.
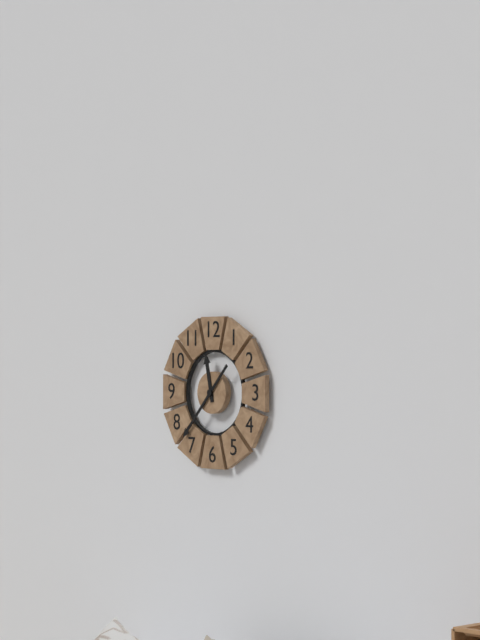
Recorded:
**11:37**
